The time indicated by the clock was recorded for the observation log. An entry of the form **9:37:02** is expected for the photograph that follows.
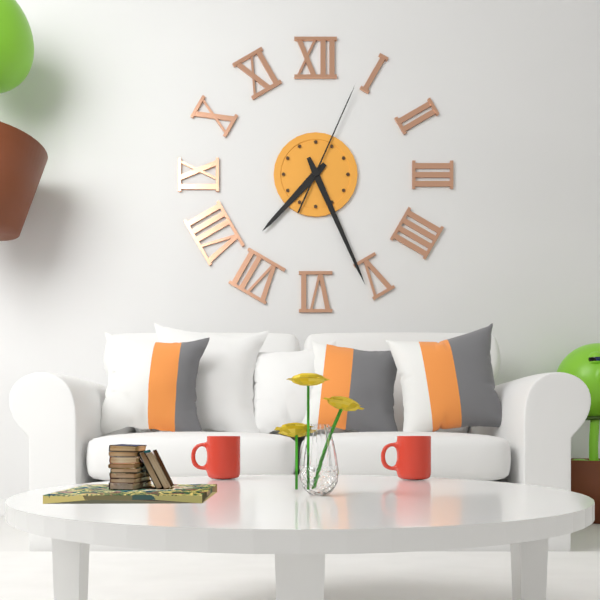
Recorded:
**7:26:04**
